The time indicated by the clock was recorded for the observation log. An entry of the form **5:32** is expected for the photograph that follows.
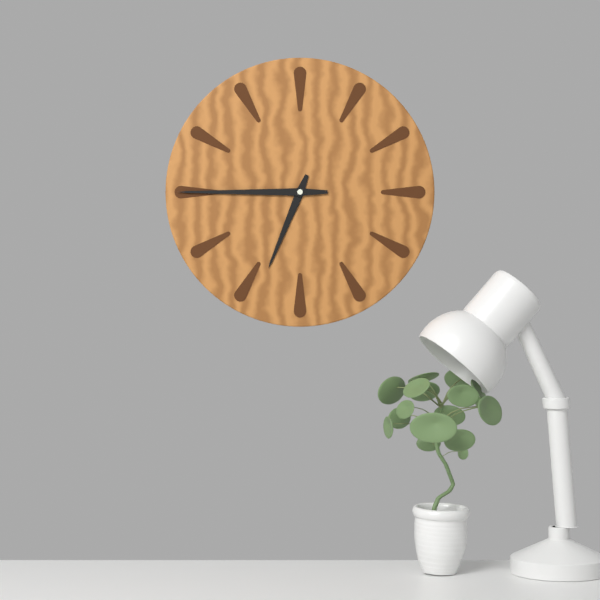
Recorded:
**6:45**
